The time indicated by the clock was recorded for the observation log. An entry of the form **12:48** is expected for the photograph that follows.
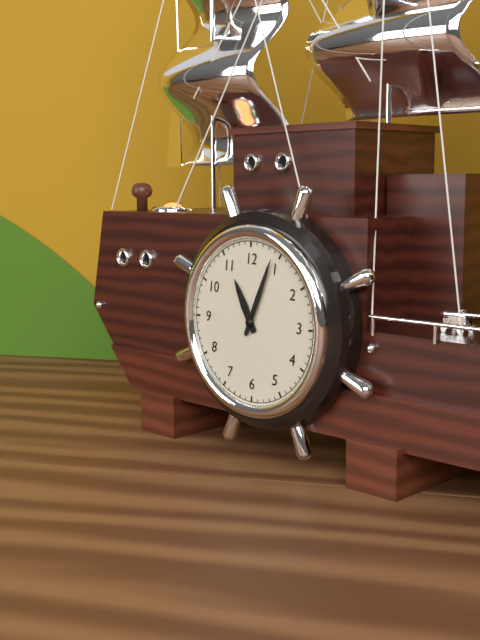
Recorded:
**11:04**
